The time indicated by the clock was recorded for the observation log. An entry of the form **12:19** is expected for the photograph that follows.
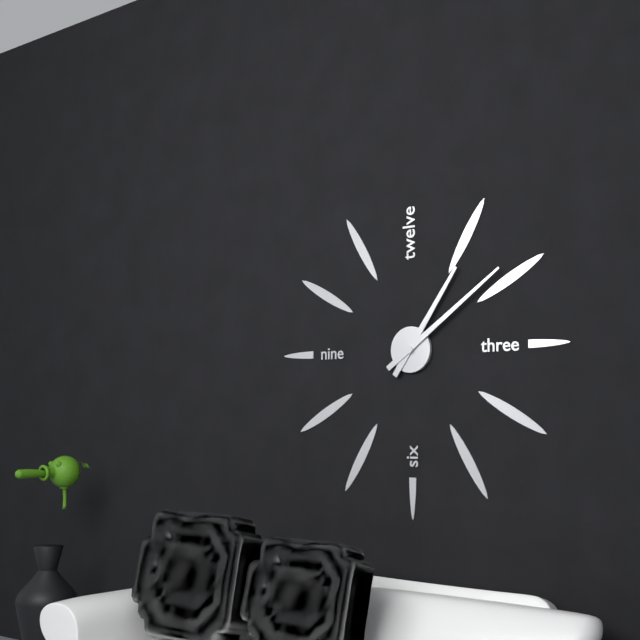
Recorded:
**1:09**
